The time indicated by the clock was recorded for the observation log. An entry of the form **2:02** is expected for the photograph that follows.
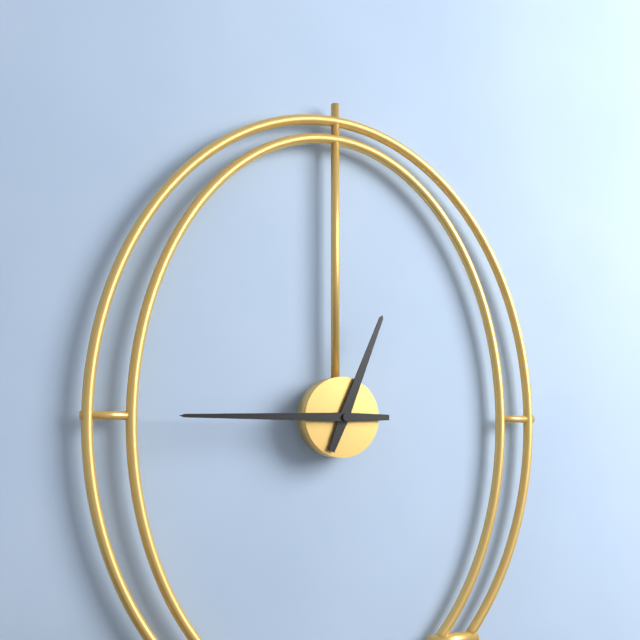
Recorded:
**12:45**
